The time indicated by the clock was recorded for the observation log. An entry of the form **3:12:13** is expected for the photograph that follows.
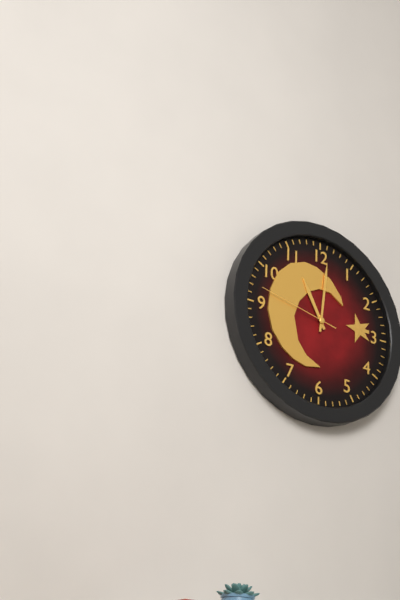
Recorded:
**11:01:47**
